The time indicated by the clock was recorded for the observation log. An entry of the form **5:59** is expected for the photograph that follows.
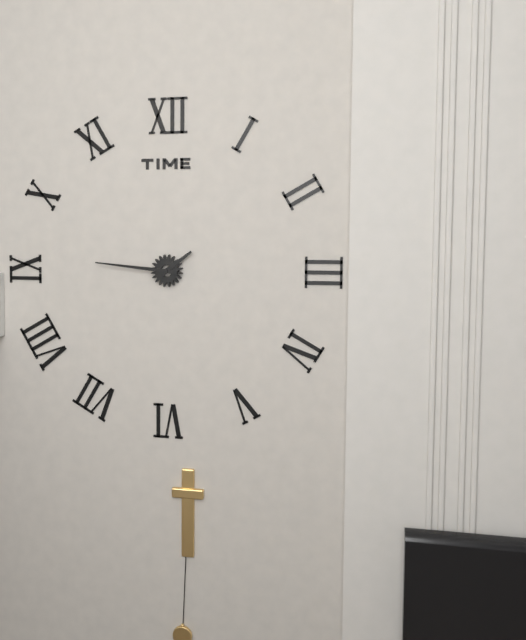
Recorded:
**1:46**
